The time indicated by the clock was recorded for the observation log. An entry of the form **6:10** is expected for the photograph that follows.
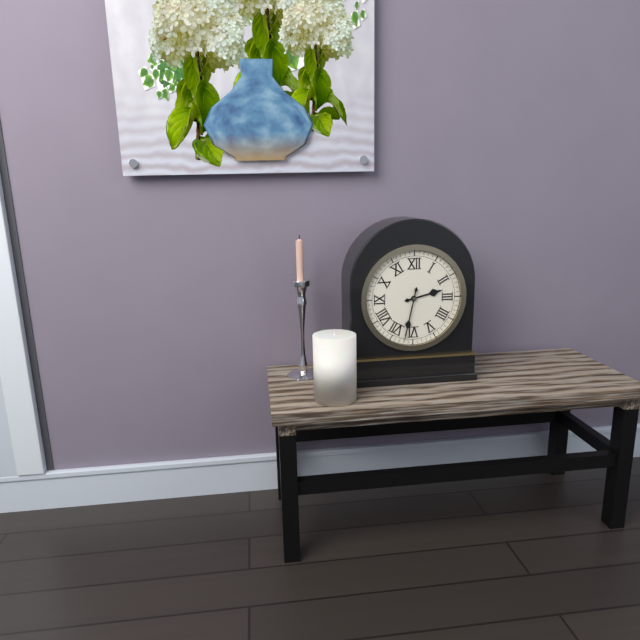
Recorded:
**2:32**
